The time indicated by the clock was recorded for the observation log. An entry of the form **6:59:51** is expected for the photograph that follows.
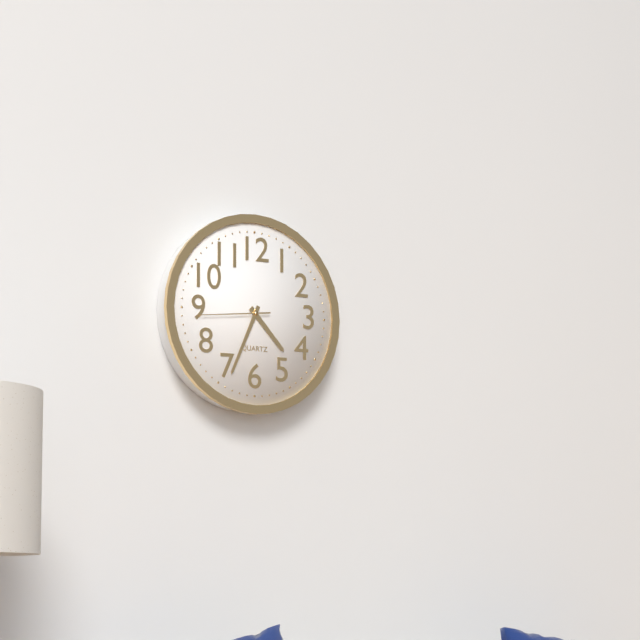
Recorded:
**4:34:44**
